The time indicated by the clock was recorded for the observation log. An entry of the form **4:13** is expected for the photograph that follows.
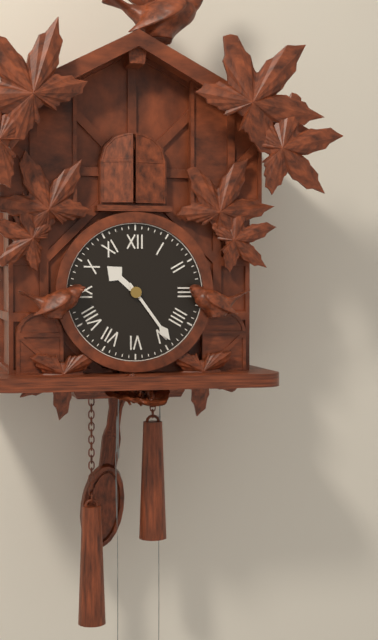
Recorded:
**10:24**
